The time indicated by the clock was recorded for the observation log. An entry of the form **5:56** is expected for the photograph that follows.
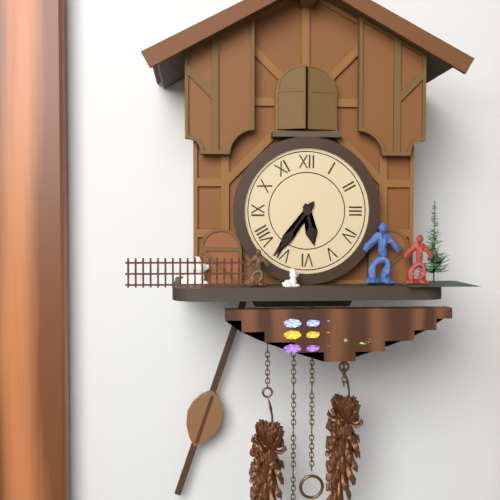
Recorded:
**5:36**
